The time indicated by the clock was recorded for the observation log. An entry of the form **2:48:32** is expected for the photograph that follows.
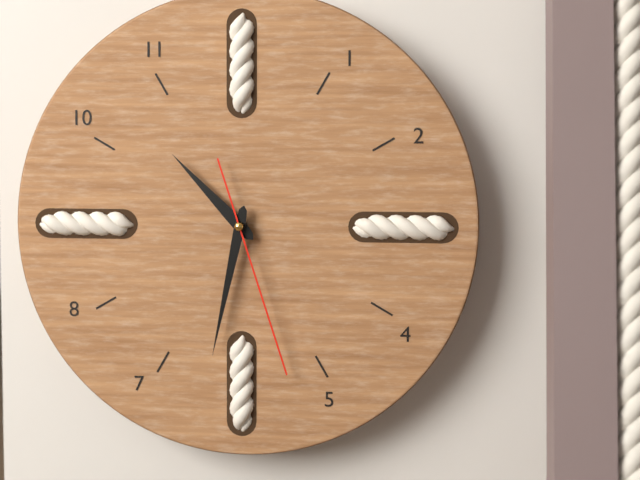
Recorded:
**10:32:27**
